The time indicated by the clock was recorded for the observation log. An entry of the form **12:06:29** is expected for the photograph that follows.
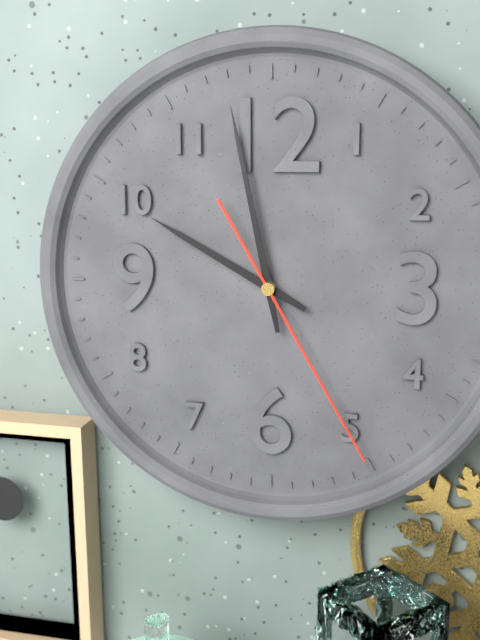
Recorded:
**9:58:25**
